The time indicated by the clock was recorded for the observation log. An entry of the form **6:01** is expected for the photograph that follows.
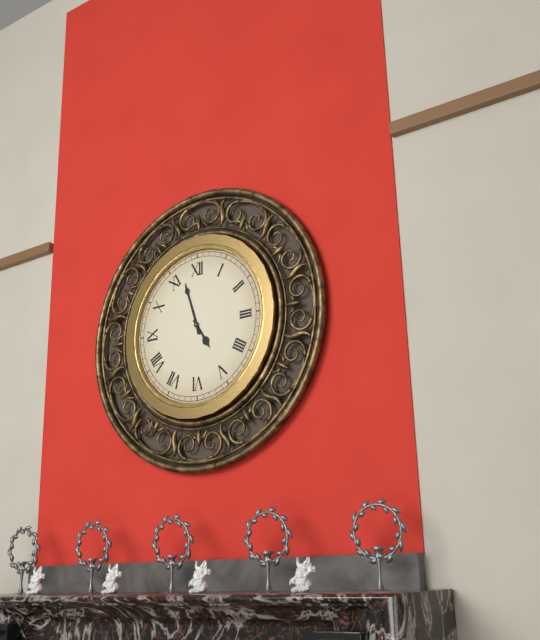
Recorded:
**4:57**
